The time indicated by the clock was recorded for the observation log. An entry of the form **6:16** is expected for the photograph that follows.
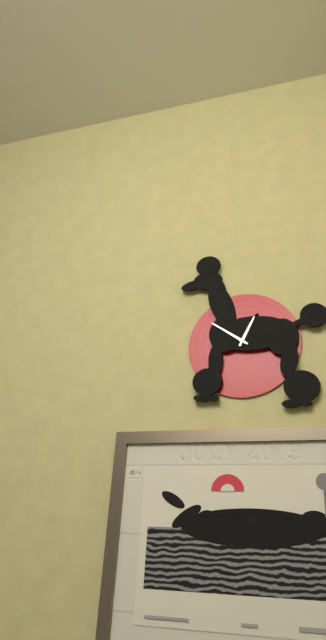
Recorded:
**12:51**
